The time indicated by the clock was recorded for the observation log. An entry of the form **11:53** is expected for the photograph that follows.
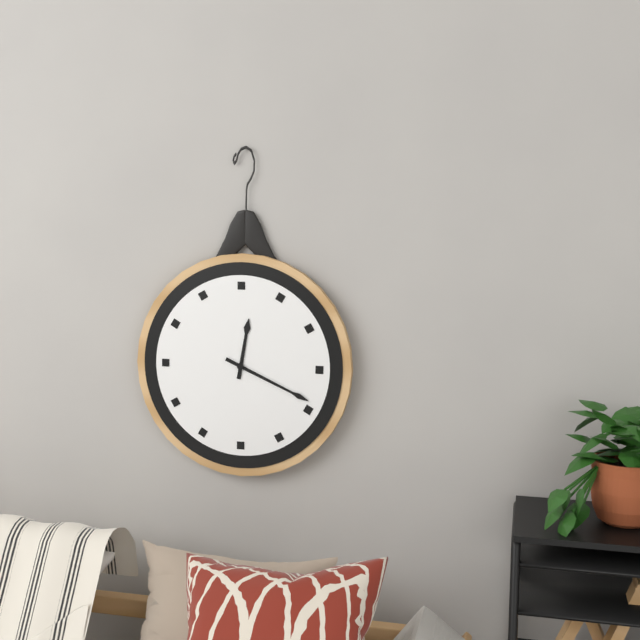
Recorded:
**12:19**
